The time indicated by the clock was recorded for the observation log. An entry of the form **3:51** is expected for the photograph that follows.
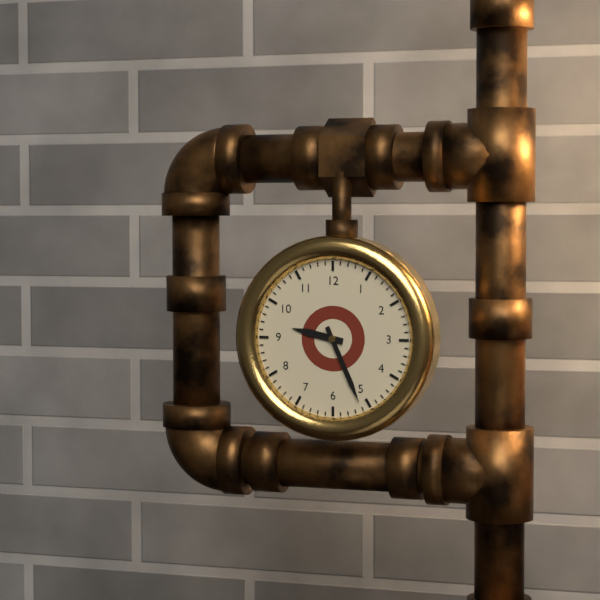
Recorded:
**9:26**
